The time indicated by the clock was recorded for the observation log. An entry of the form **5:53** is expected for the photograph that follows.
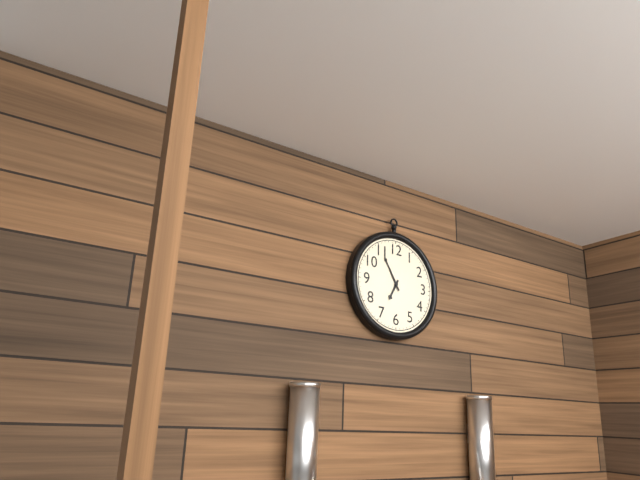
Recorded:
**6:55**
